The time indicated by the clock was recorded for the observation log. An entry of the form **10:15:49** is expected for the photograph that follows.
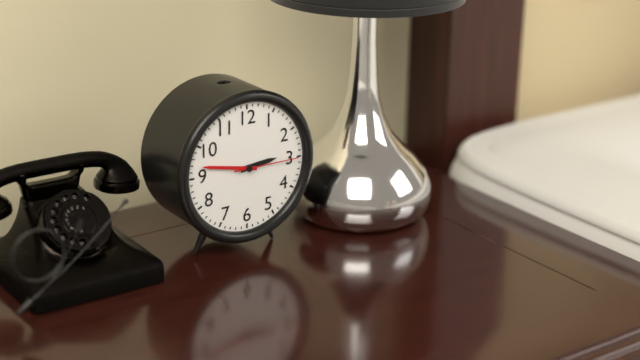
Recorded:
**2:47:15**
